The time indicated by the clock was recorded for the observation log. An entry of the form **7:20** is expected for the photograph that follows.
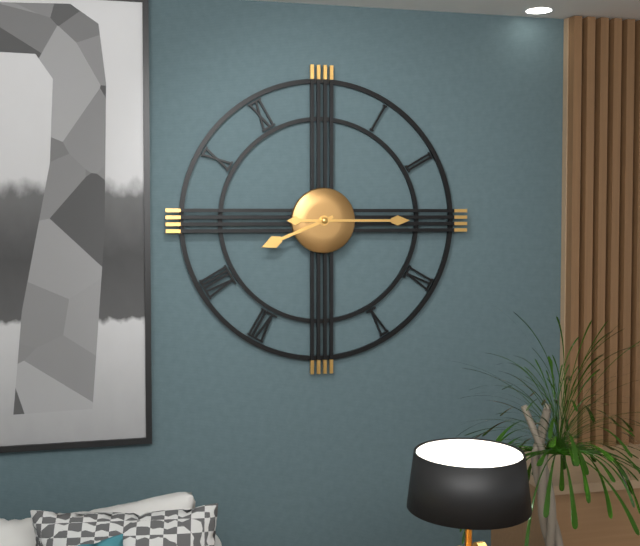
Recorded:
**8:15**
